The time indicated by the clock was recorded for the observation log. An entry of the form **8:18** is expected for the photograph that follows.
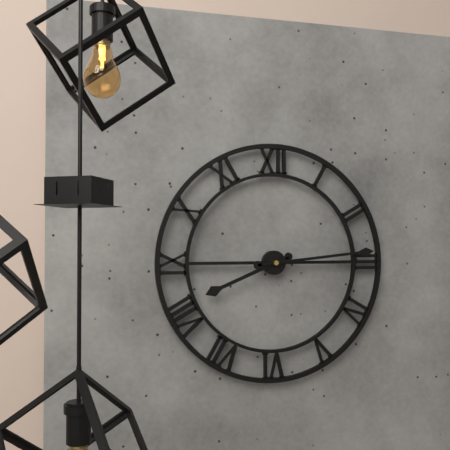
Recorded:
**8:14**
